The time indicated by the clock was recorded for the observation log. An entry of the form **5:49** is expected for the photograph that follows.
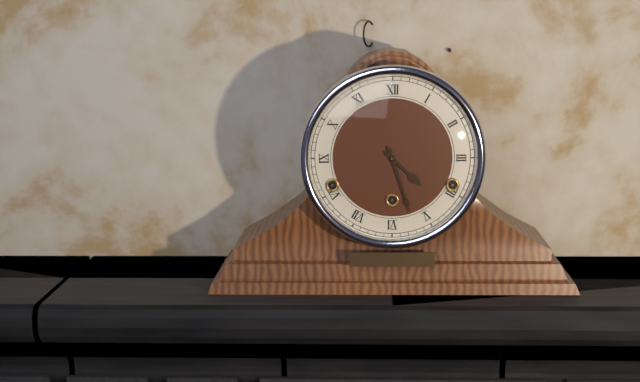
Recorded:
**4:27**
